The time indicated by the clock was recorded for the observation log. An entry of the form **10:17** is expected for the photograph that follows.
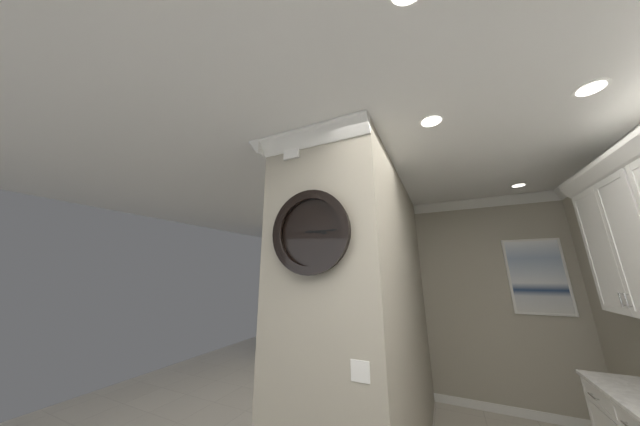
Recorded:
**3:15**
